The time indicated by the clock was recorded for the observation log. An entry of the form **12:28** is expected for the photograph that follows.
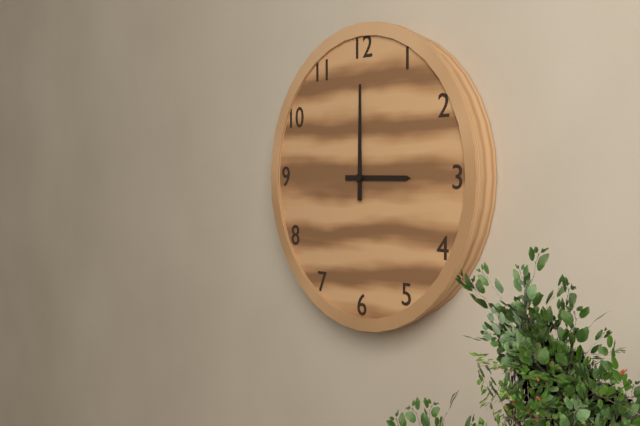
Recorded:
**3:00**
